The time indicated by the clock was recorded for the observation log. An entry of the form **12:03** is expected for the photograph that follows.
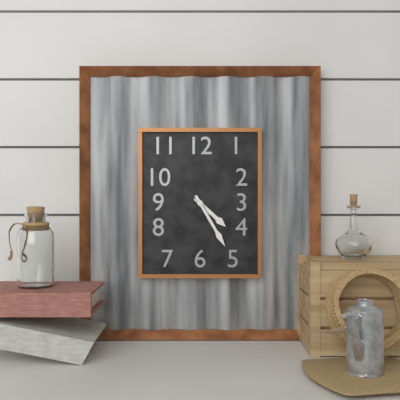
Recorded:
**4:25**
